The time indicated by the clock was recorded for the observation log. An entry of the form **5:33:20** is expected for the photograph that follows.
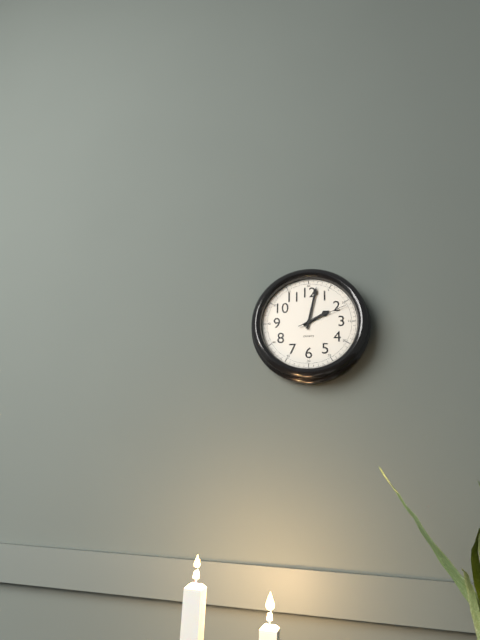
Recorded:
**2:02:11**
